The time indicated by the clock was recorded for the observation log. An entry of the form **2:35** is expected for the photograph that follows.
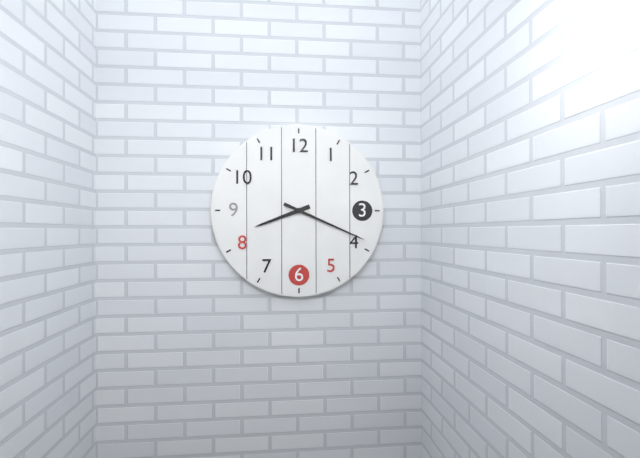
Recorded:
**8:19**
